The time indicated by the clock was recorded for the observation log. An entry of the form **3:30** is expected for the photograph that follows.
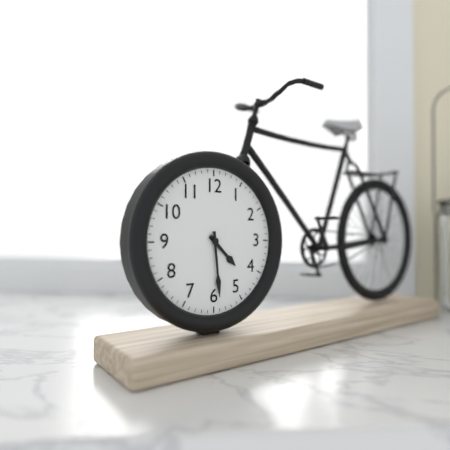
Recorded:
**4:29**
